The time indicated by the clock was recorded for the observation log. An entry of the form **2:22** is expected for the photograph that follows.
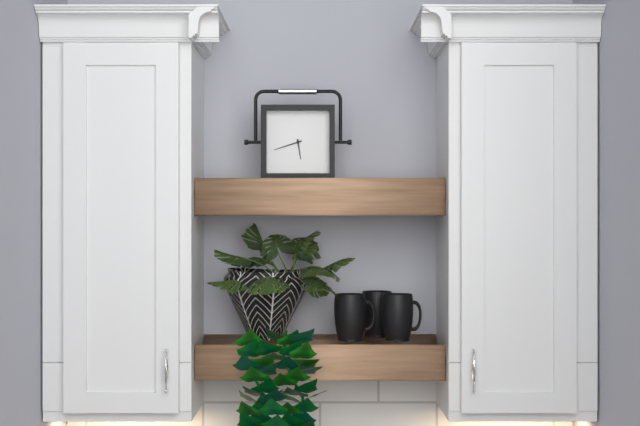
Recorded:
**5:42**
